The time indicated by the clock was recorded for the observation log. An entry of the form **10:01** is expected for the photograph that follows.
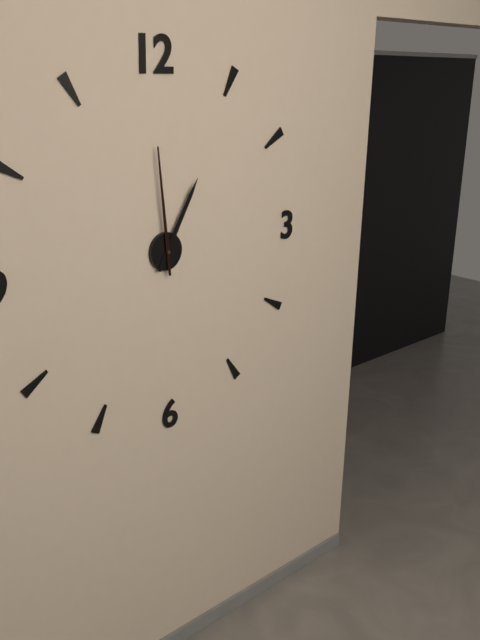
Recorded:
**12:59**
